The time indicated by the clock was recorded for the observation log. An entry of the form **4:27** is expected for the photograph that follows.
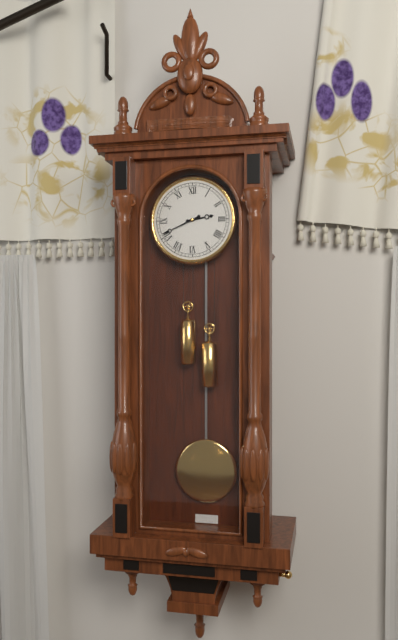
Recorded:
**2:41**
